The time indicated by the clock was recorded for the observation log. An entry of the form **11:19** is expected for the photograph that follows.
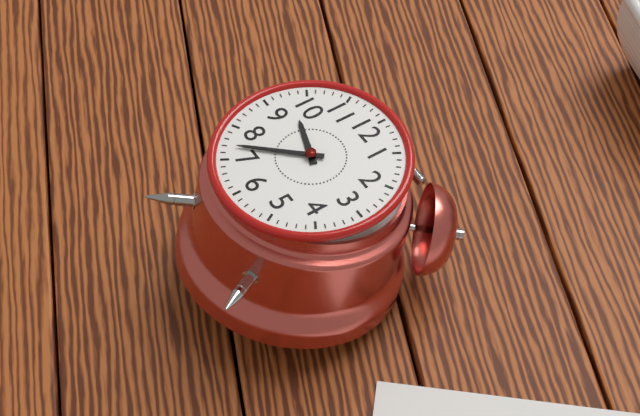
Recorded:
**9:37**
